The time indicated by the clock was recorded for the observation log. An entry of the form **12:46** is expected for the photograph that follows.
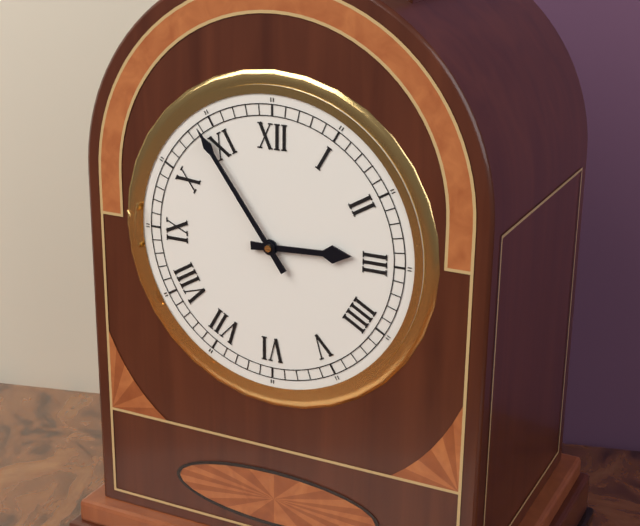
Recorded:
**2:54**
